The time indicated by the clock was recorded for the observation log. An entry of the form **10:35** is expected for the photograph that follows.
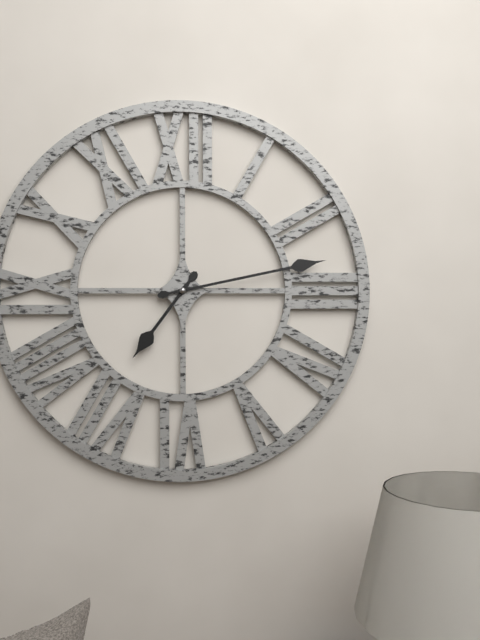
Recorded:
**7:13**
